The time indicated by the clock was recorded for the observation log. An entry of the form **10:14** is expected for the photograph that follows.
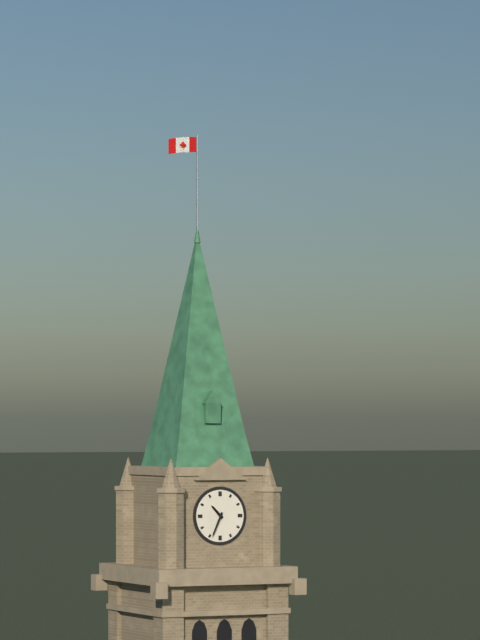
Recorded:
**10:34**
